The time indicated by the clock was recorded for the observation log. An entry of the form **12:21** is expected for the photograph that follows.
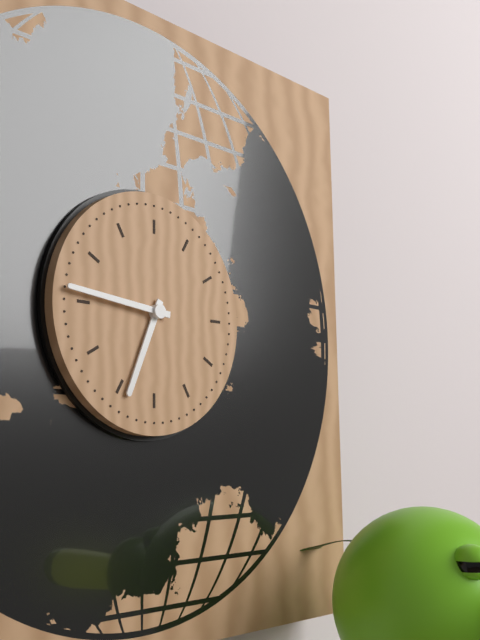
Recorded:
**6:46**
